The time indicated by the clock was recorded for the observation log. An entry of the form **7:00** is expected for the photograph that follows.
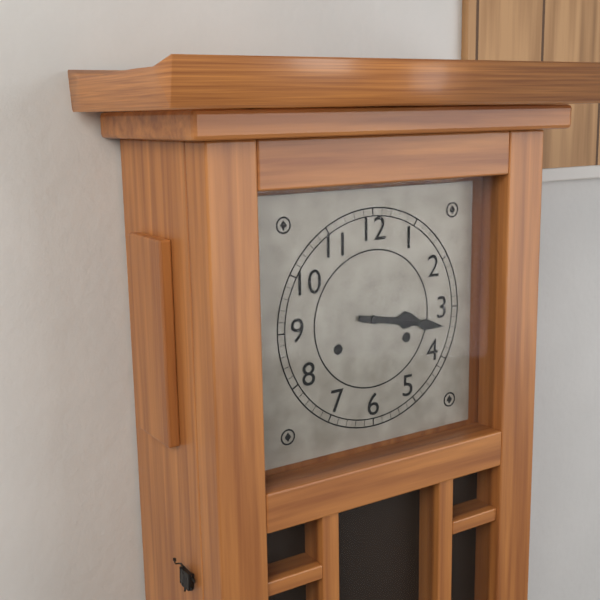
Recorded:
**3:17**
